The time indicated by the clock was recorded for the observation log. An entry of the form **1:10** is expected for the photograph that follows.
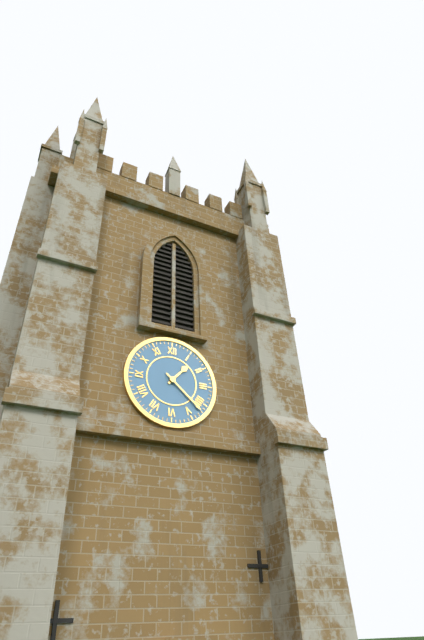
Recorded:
**1:22**
